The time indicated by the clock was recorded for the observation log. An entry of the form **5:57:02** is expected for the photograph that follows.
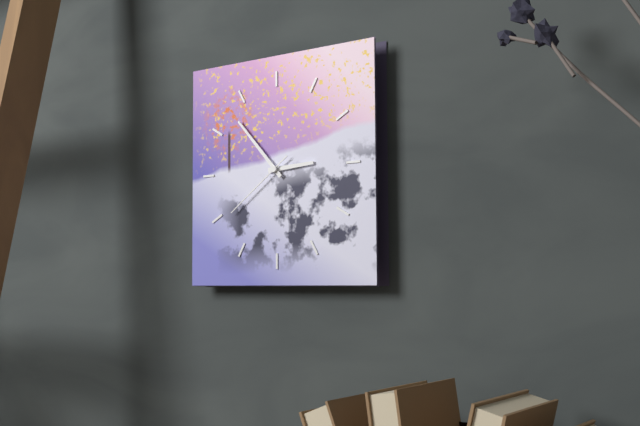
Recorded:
**2:53:39**
